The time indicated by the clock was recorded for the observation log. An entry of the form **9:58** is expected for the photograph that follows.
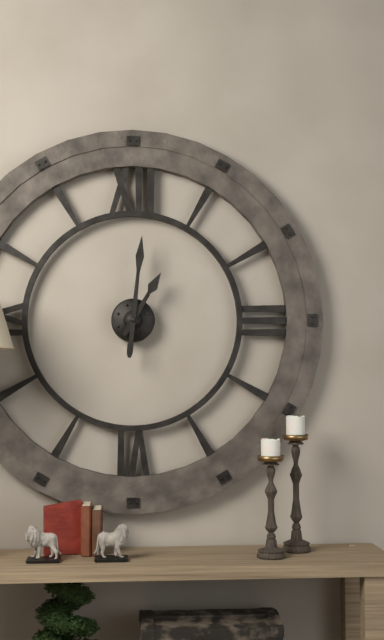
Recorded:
**1:01**
